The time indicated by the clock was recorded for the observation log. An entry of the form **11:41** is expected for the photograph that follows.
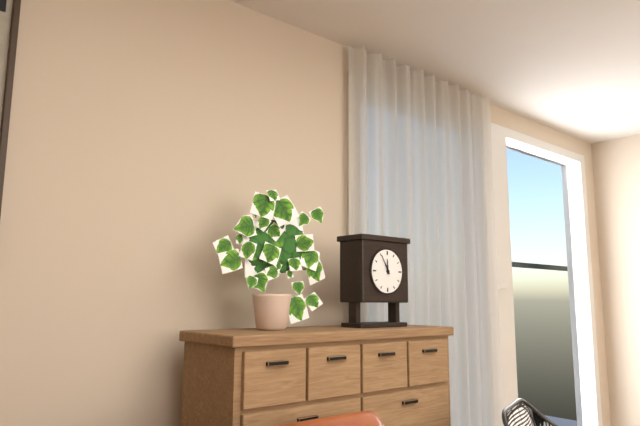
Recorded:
**11:55**
